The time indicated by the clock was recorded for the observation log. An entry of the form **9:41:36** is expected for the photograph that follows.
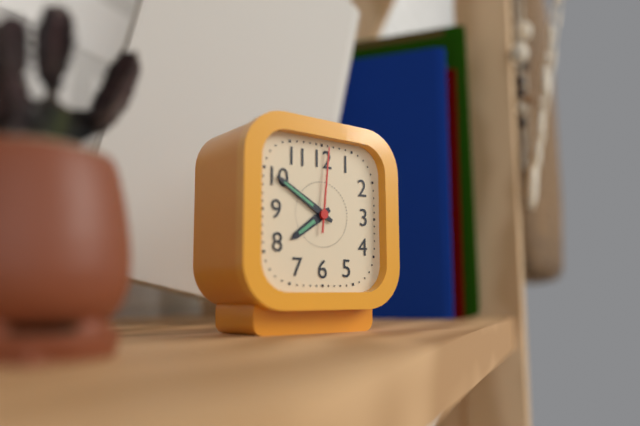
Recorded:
**7:50:01**
